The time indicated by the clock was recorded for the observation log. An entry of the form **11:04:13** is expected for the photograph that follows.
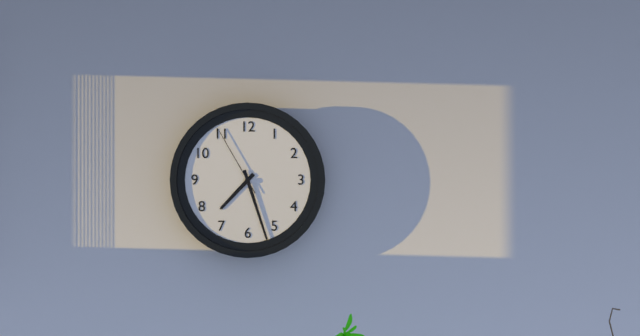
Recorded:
**7:27:55**
